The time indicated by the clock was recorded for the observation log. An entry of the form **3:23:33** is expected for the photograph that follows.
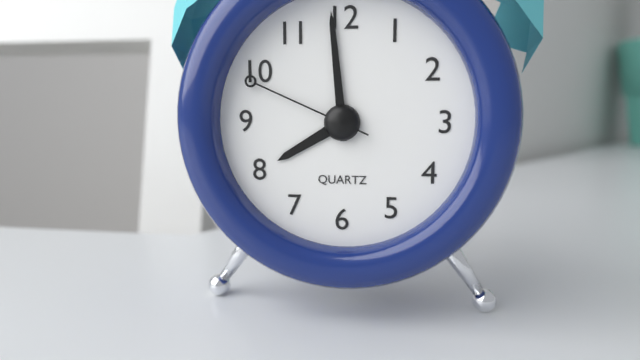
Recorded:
**7:59:49**
